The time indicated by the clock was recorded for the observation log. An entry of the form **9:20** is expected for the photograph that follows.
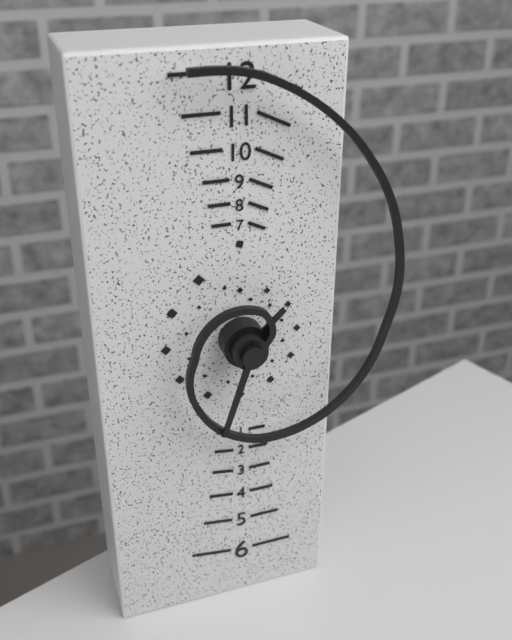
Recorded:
**1:33**
